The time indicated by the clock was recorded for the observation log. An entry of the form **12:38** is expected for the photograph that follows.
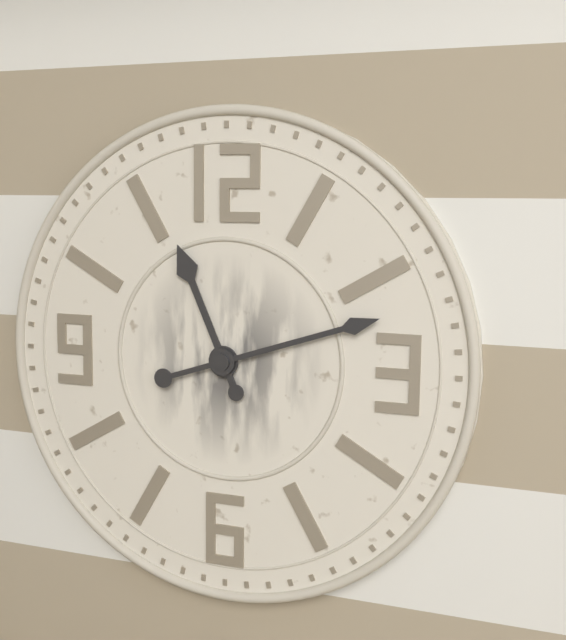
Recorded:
**11:12**
